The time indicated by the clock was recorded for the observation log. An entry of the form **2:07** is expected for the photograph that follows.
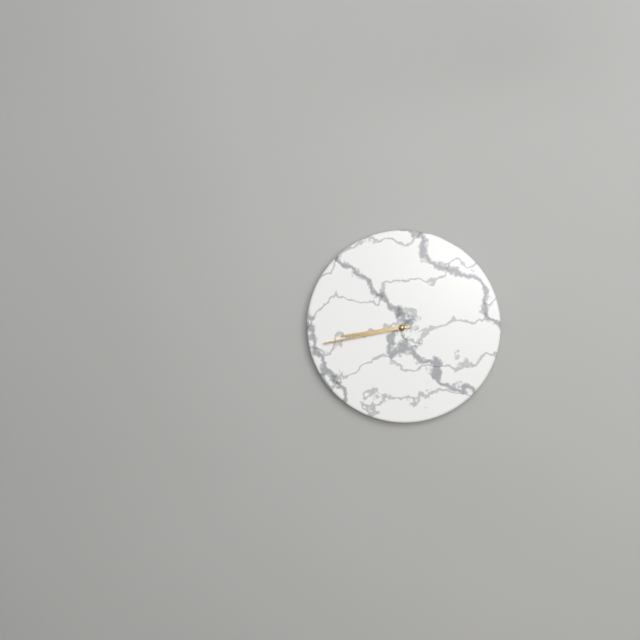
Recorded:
**8:43**
